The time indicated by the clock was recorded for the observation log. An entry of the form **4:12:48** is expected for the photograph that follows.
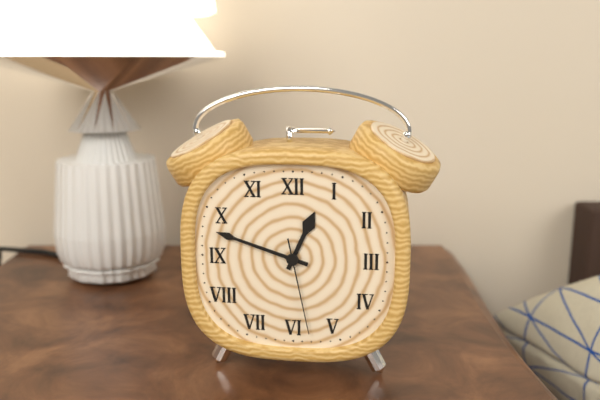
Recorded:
**12:48:28**
